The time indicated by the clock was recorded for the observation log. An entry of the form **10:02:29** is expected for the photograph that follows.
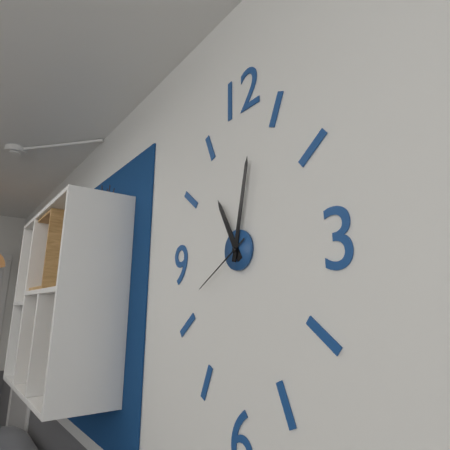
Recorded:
**11:02:40**
